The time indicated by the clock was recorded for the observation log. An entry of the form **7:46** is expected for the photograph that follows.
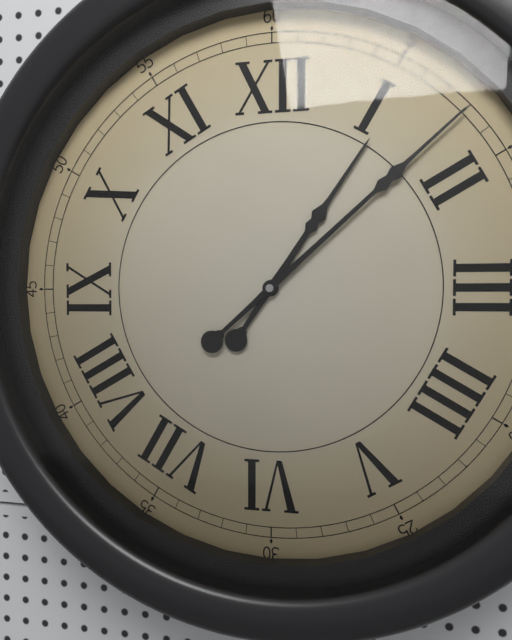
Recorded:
**1:08**
